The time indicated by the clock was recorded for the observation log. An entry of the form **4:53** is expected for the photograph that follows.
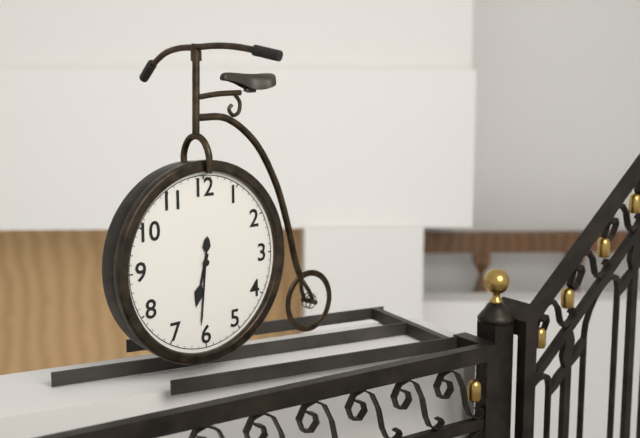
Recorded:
**6:31**
